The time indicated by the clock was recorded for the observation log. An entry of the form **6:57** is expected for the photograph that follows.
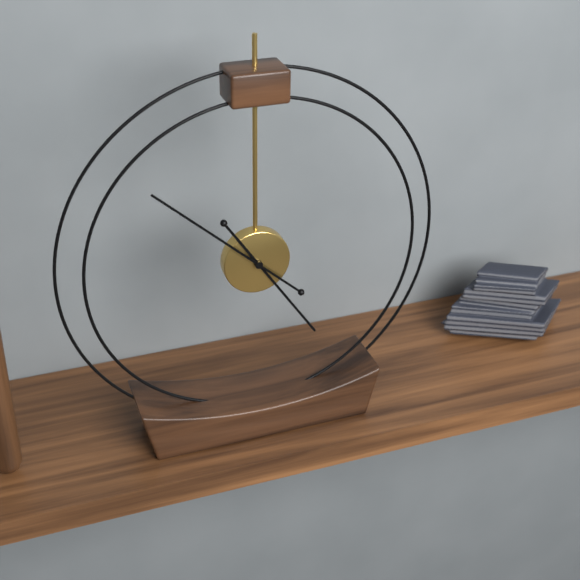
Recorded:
**4:52**
